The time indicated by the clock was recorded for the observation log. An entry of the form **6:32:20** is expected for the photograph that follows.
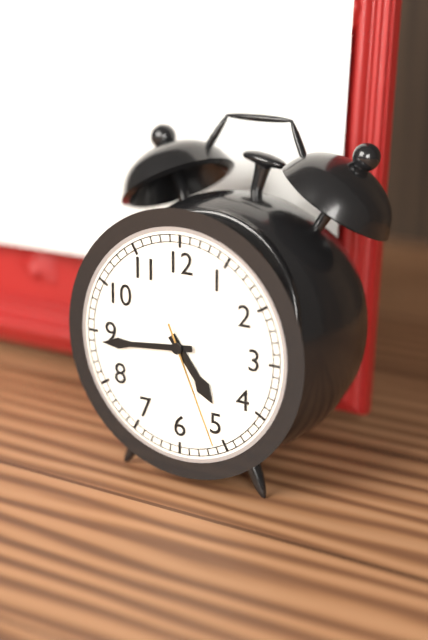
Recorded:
**4:44:26**
